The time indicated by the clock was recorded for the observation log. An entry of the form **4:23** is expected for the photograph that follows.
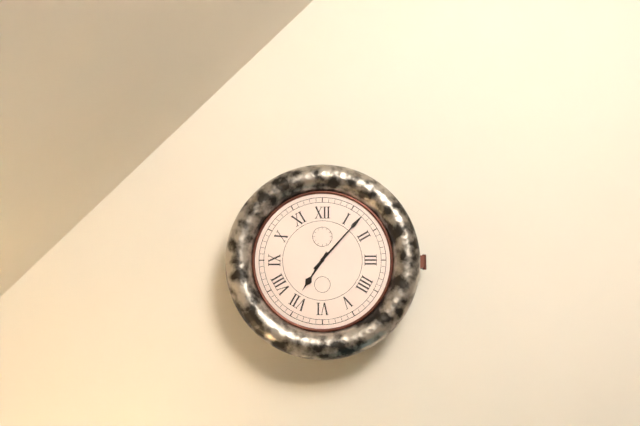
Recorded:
**7:07**
